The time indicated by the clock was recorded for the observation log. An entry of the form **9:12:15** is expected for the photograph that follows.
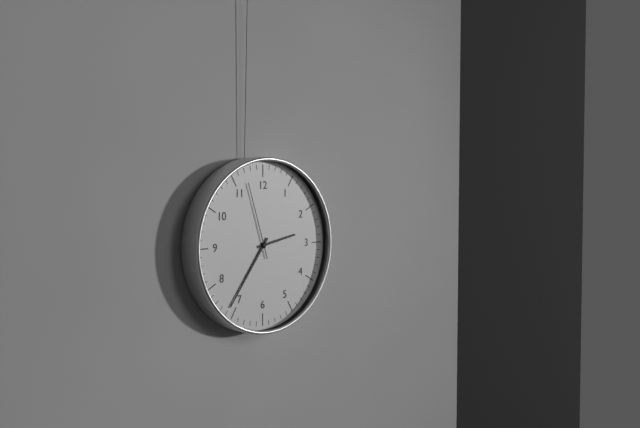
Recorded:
**2:36:57**
